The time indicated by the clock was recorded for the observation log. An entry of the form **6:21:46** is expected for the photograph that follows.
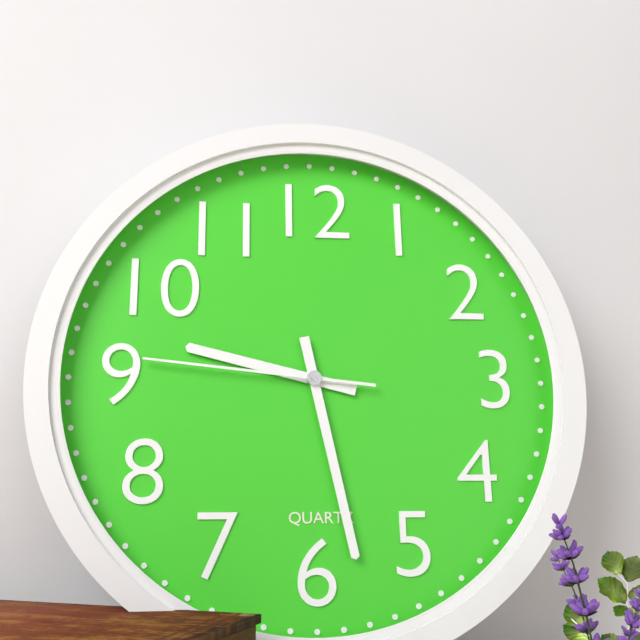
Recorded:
**9:28:46**
